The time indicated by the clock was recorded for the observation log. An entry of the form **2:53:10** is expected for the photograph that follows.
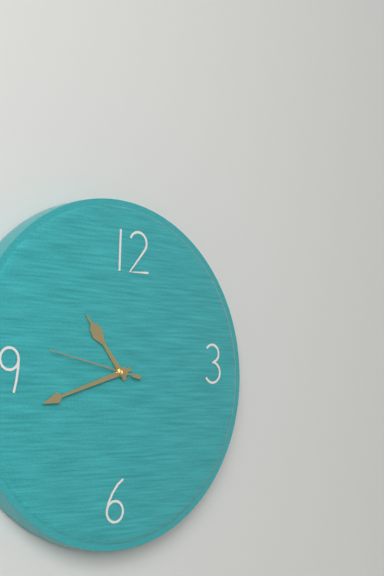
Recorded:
**10:42:47**
